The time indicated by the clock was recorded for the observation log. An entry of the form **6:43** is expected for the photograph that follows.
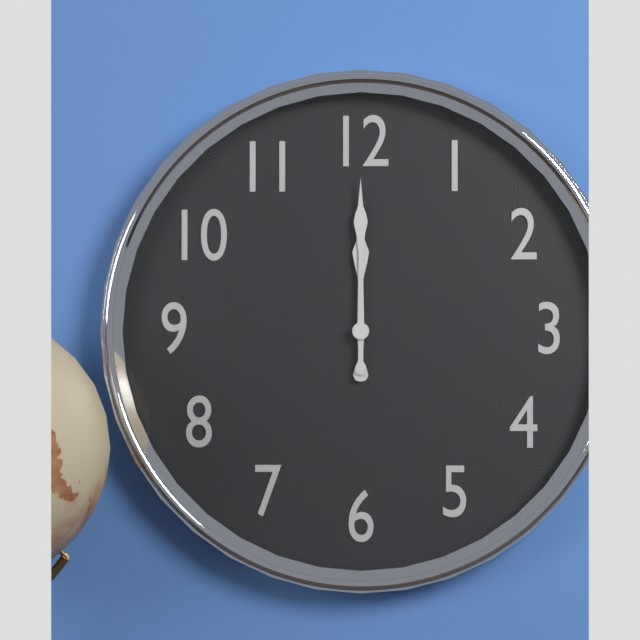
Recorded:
**12:00**
